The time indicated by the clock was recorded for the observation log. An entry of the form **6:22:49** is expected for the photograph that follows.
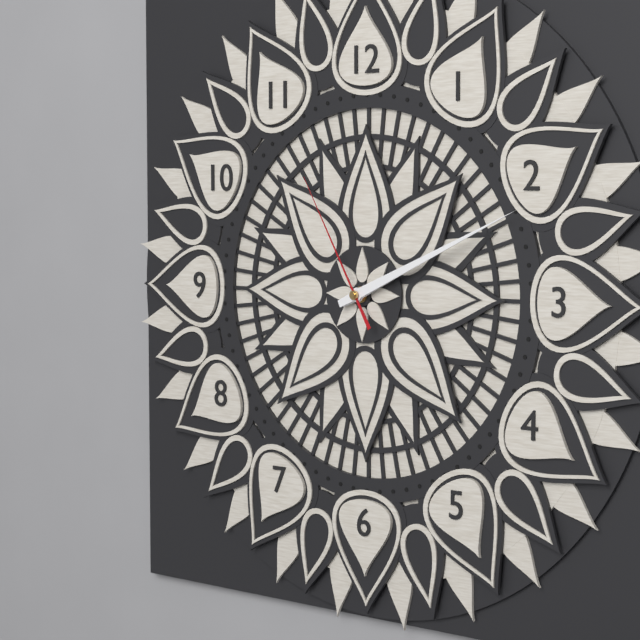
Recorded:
**2:11:55**
